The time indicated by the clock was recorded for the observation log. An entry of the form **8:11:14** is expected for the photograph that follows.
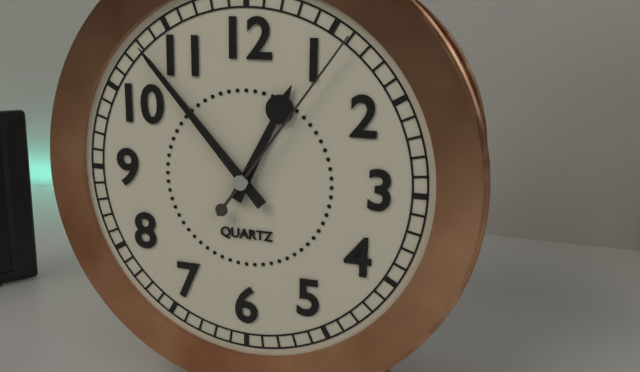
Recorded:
**12:53:06**
